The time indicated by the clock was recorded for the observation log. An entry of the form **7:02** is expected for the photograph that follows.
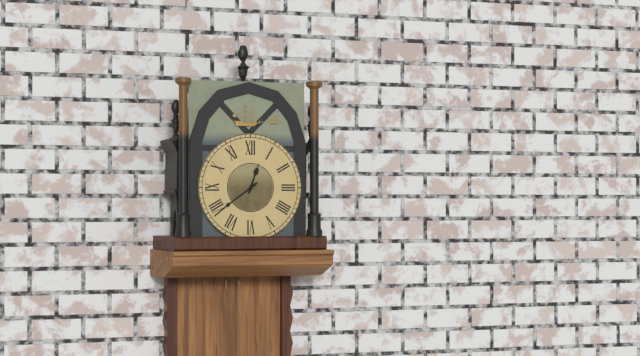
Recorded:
**12:39**
